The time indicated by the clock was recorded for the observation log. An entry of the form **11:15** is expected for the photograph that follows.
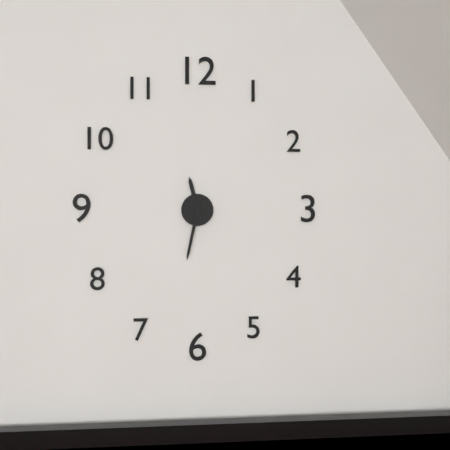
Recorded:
**11:32**
